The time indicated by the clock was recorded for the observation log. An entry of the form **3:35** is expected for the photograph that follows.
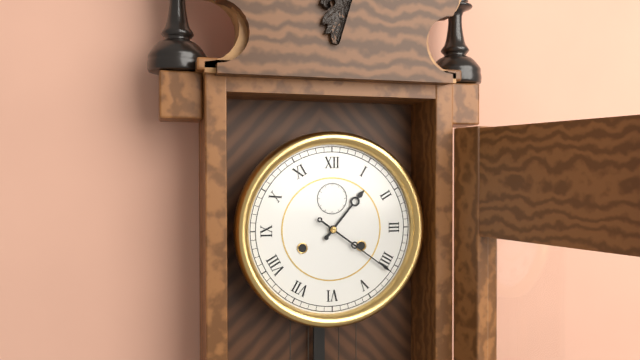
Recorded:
**1:21**
